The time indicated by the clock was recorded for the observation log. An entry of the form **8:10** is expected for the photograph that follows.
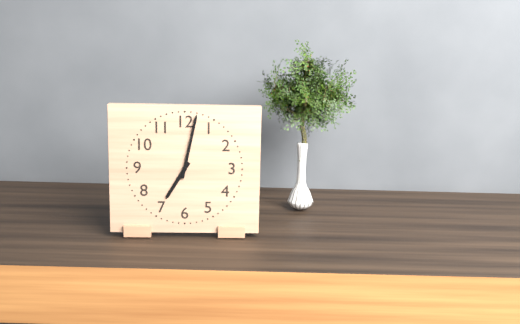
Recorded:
**7:02**
